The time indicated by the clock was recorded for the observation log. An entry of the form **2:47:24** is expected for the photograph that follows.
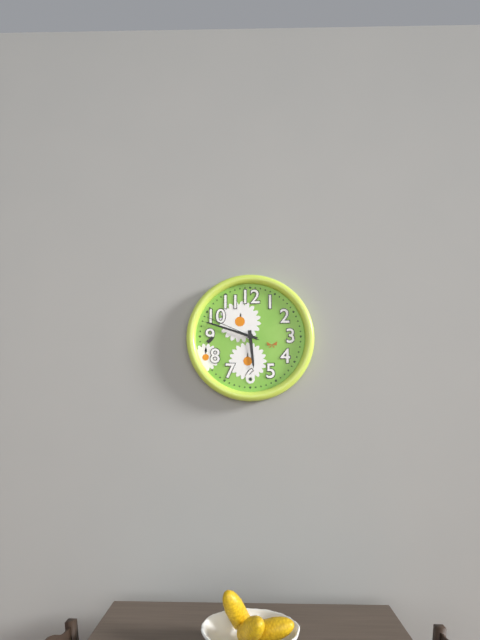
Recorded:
**5:48:49**
